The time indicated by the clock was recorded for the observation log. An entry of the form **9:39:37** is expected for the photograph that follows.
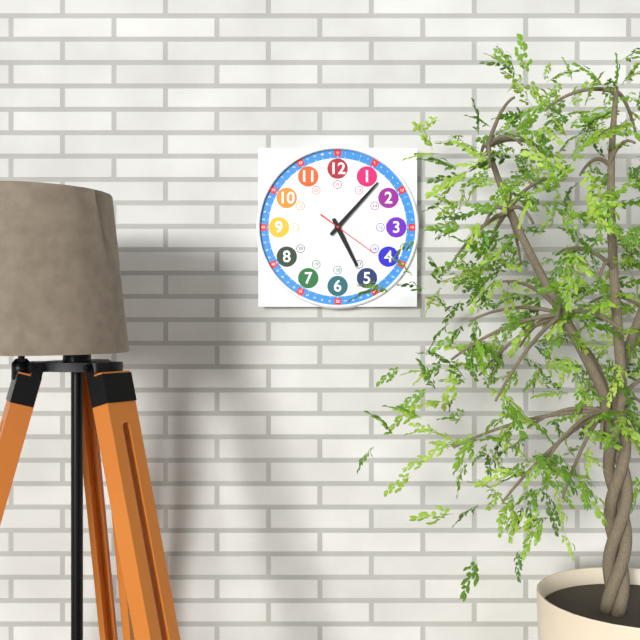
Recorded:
**5:07:21**
